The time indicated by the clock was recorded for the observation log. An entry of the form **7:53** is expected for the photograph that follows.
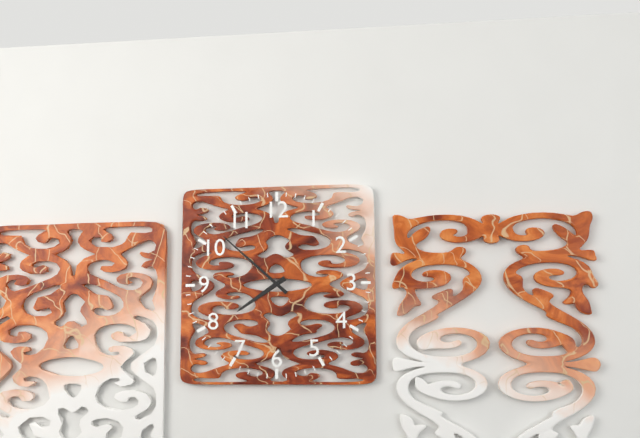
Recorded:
**7:52**
